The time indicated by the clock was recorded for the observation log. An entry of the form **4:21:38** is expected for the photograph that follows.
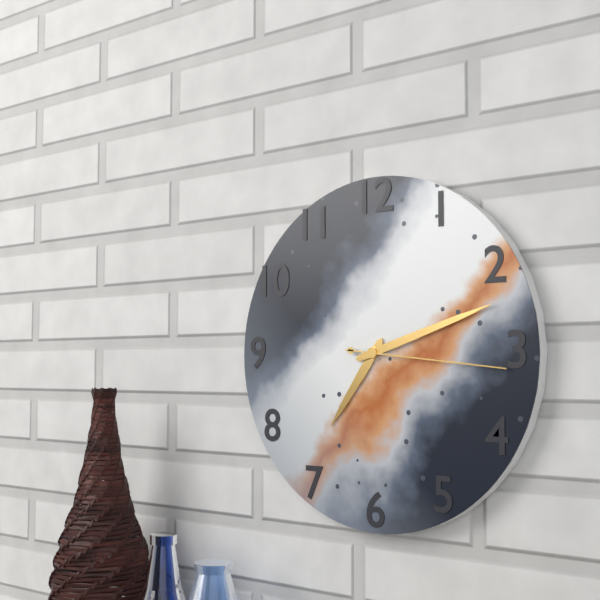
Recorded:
**7:12:16**
